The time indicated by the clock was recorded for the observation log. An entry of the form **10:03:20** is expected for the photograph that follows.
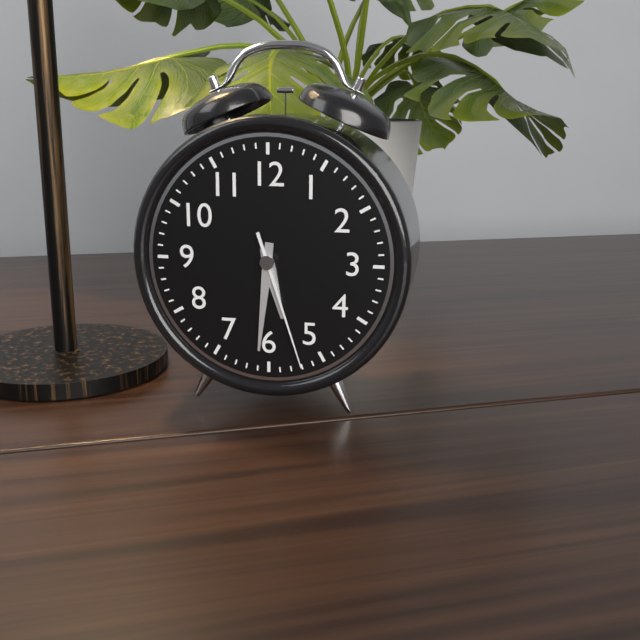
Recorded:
**5:31:27**
